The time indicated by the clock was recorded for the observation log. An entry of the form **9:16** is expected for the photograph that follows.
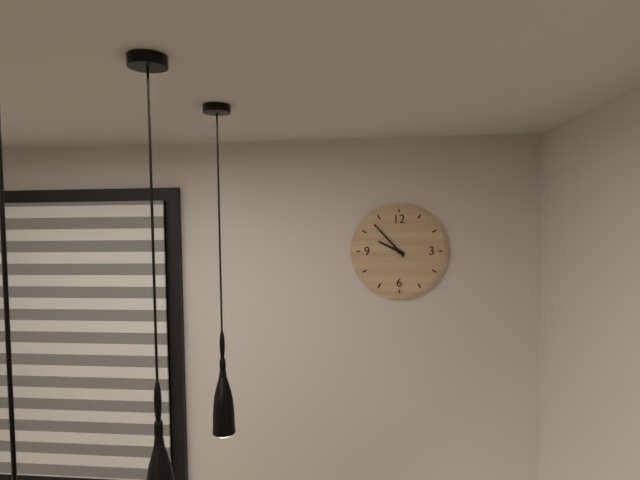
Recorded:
**9:53**
